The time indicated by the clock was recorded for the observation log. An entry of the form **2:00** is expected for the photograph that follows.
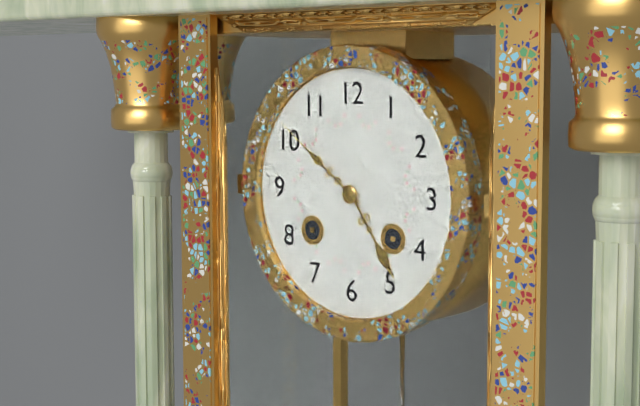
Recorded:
**4:51**
